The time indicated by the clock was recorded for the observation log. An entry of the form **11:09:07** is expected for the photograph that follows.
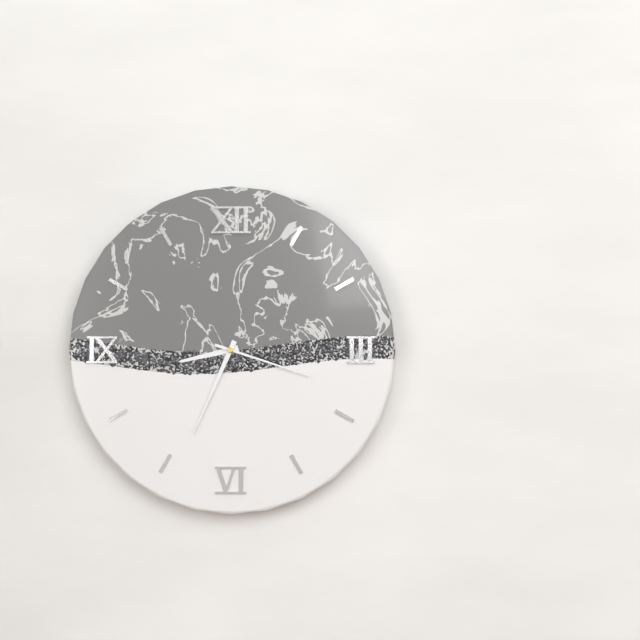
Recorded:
**8:34:18**
